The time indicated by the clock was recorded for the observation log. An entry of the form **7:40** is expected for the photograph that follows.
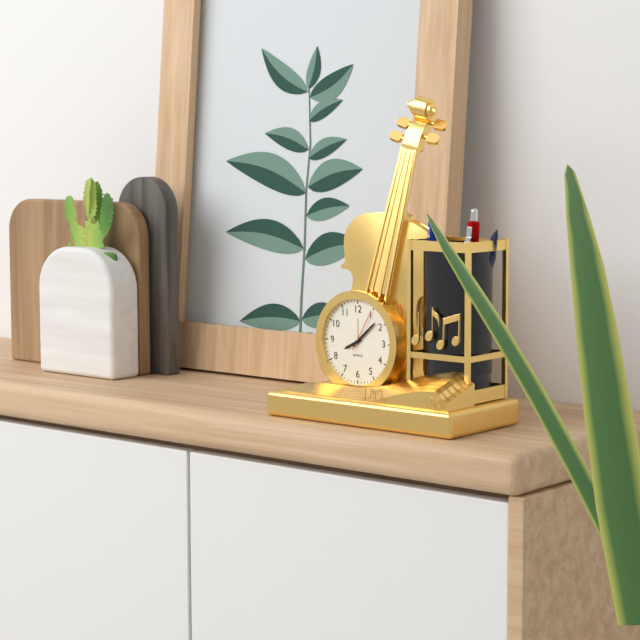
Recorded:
**8:08**
